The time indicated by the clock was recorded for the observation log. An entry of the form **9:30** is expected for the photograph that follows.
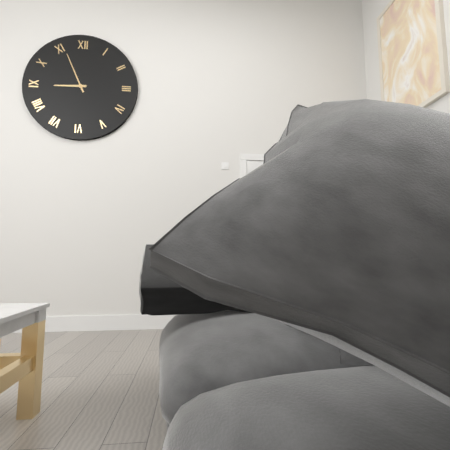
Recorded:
**8:56**
